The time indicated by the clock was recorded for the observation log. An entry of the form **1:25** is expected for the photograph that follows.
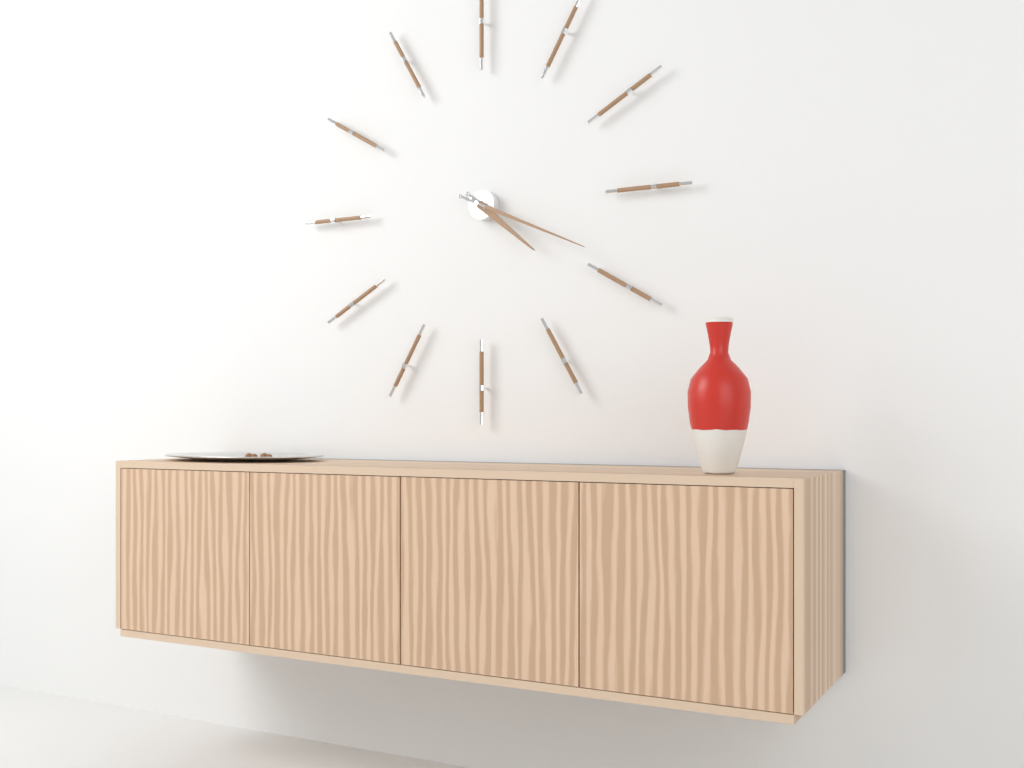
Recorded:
**4:19**
